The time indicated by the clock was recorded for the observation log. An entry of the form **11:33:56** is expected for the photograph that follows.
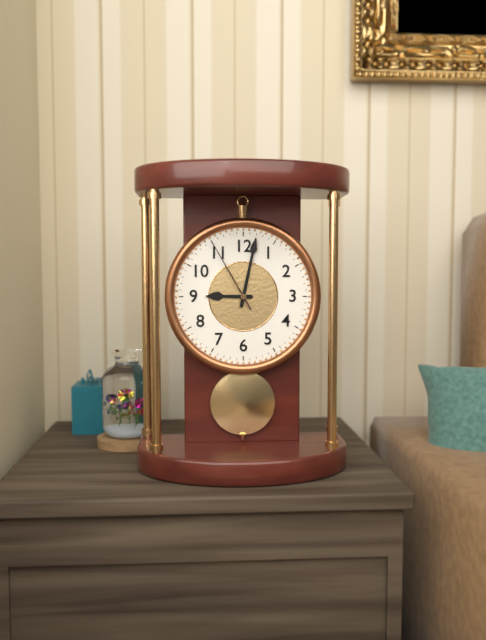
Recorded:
**9:02:55**
